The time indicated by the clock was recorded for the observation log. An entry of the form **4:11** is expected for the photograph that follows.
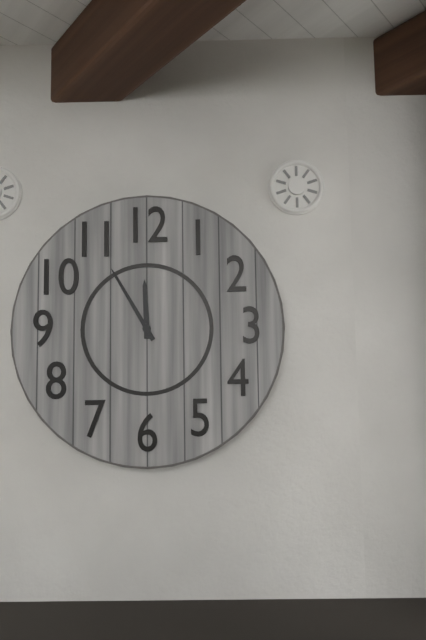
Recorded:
**11:55**
